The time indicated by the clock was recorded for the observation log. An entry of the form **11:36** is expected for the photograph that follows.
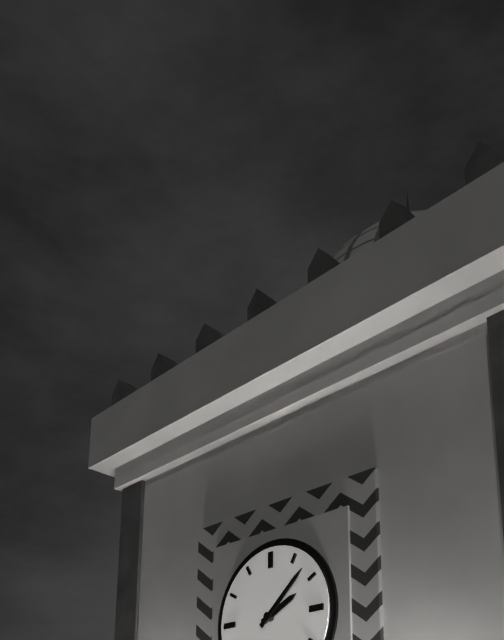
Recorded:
**2:08**
